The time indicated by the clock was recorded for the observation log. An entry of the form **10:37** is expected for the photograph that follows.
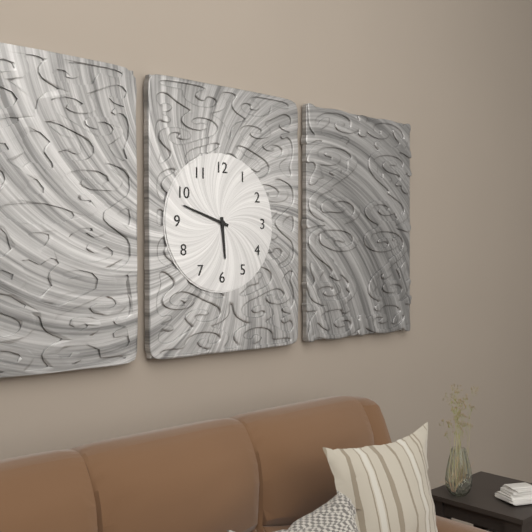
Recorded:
**5:48**
